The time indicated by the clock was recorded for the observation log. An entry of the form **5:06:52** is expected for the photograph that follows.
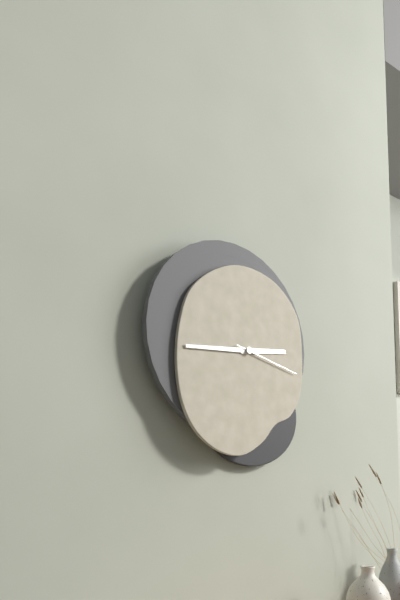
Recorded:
**2:44:17**
